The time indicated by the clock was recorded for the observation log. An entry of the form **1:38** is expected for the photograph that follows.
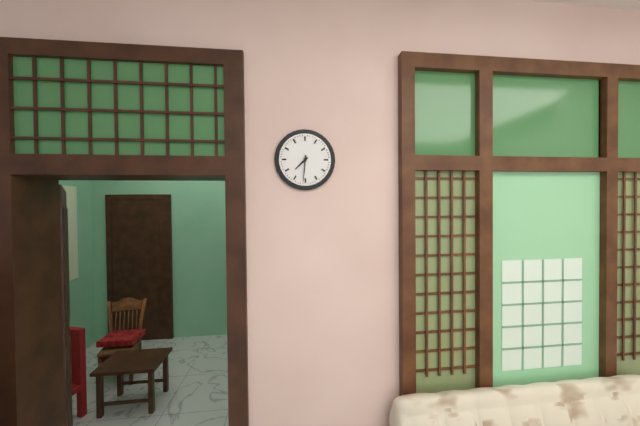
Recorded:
**7:31**
